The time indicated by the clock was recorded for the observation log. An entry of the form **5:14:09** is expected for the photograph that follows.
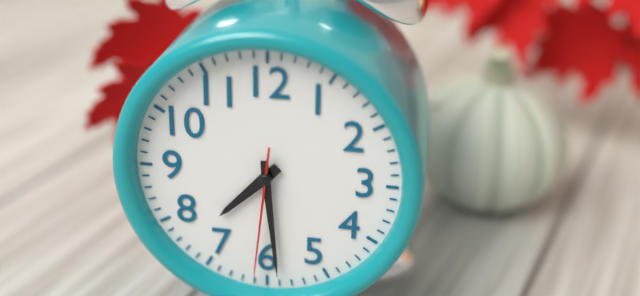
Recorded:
**7:29:31**
